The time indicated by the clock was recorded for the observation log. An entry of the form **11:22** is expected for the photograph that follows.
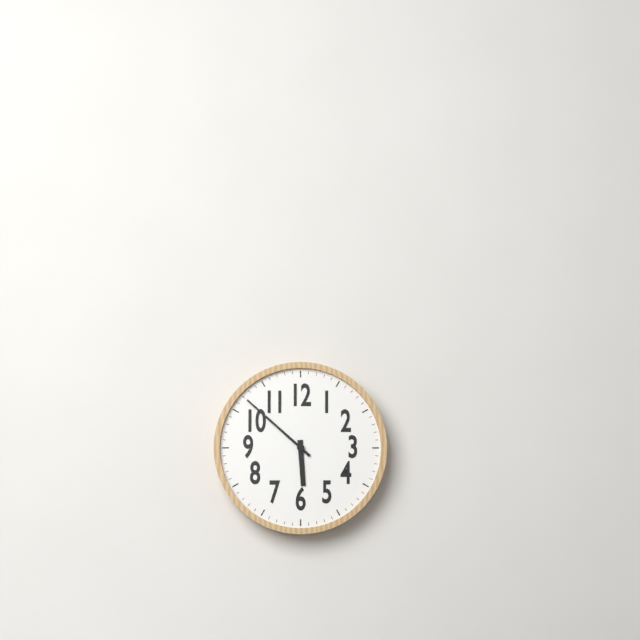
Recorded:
**5:52**
